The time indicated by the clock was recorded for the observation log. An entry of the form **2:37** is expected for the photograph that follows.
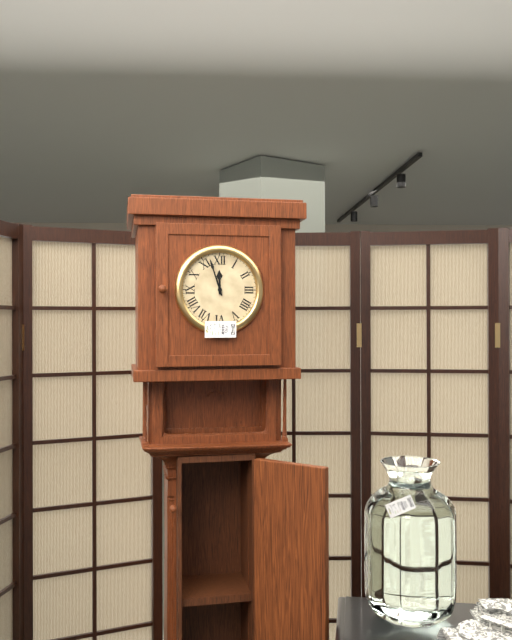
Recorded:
**11:57**
